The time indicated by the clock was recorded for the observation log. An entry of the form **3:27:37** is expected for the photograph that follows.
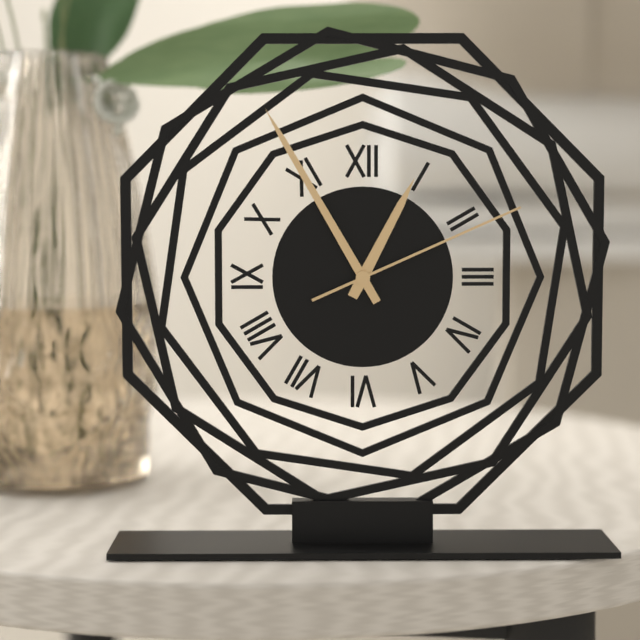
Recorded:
**12:55:11**
